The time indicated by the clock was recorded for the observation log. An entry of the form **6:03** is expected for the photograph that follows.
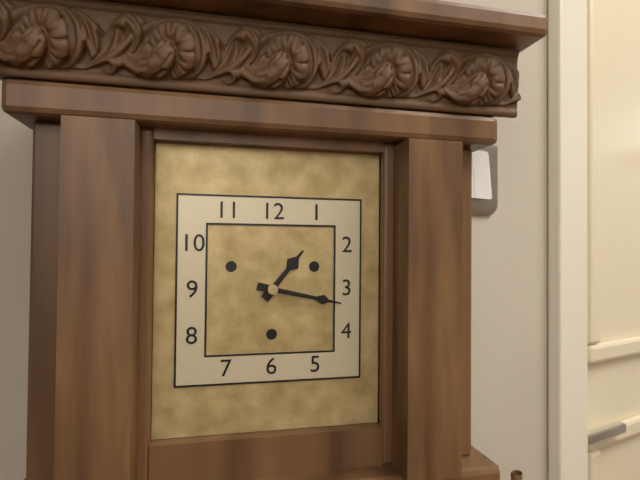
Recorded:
**1:17**
